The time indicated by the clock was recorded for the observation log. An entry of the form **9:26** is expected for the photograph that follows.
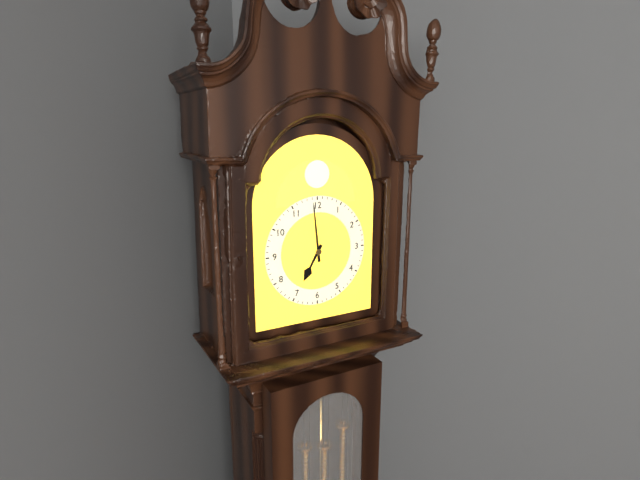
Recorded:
**6:59**
